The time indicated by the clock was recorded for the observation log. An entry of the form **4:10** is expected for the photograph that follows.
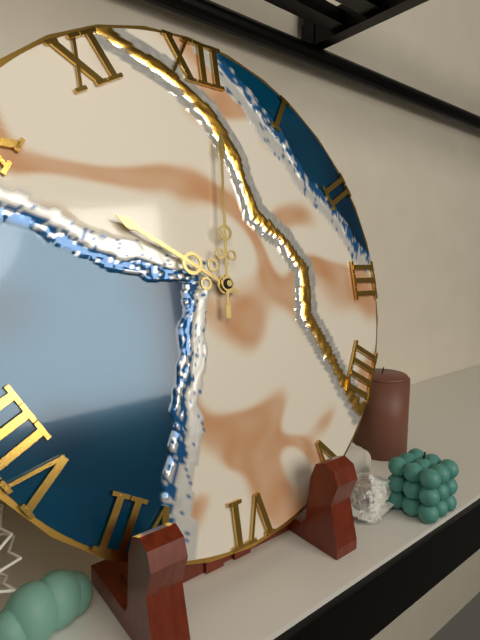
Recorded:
**10:01**
